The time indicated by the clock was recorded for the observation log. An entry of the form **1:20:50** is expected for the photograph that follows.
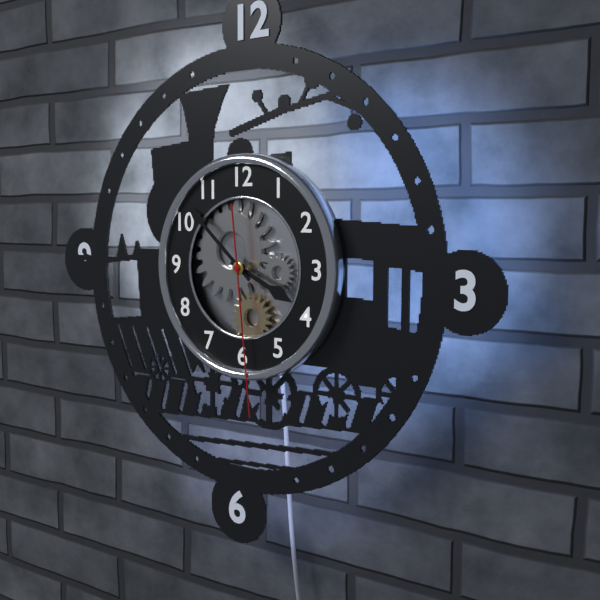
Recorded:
**3:52:29**
